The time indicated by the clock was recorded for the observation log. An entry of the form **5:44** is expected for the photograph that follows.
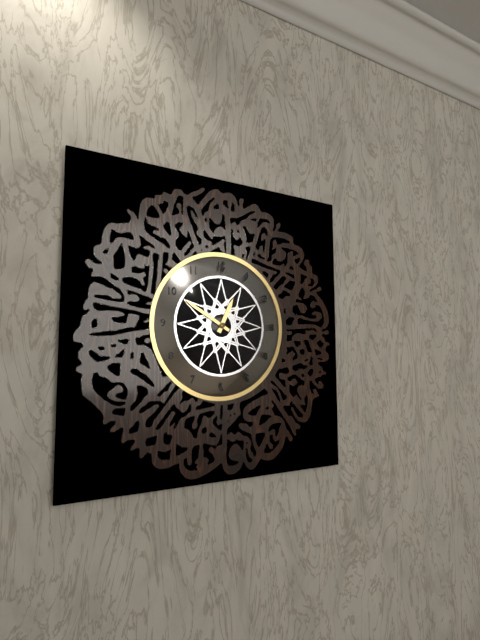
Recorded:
**12:50**
